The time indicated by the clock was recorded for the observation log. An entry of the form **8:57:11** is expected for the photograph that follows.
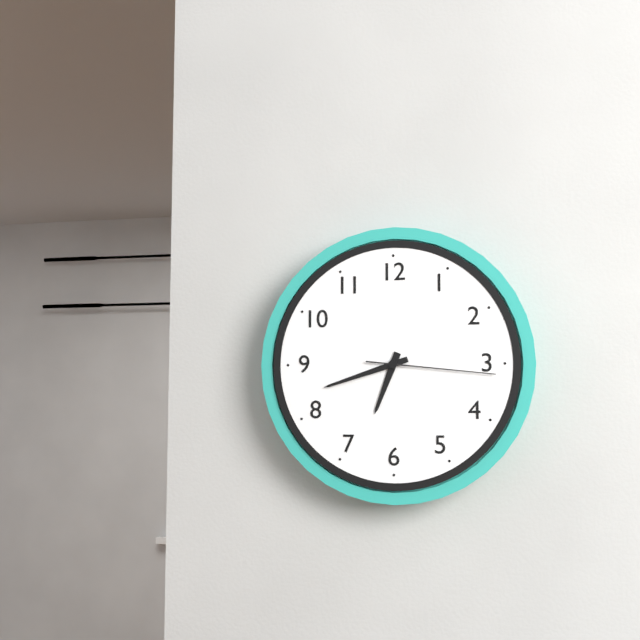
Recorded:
**6:42:16**
